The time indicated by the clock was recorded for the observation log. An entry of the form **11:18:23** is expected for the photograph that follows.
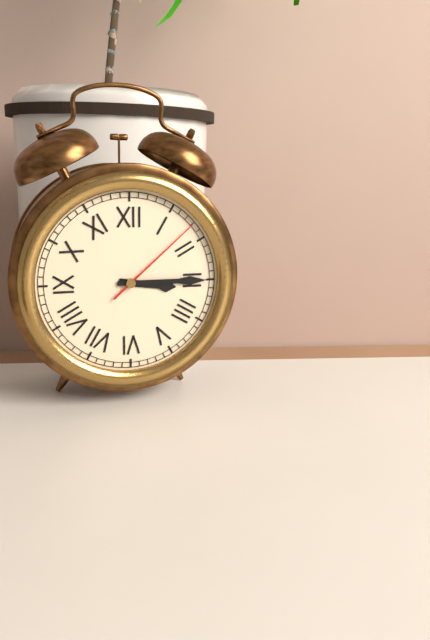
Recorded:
**3:15:08**
